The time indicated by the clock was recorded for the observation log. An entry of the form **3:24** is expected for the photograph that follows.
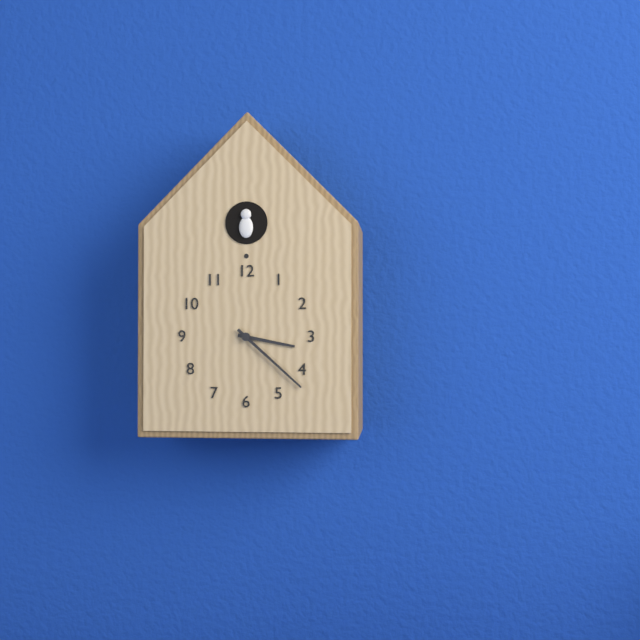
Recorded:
**3:22**
